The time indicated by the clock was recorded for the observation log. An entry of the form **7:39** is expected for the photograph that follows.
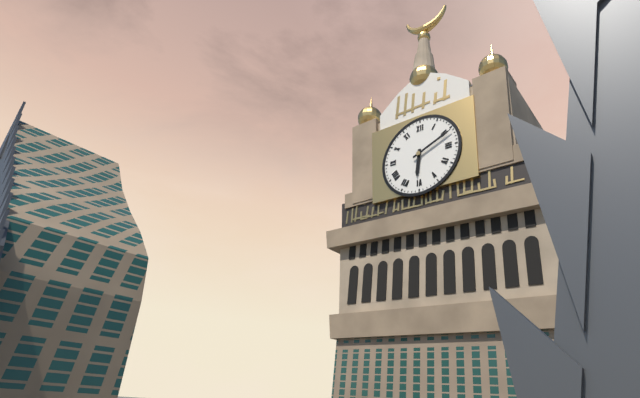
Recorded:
**6:11**
